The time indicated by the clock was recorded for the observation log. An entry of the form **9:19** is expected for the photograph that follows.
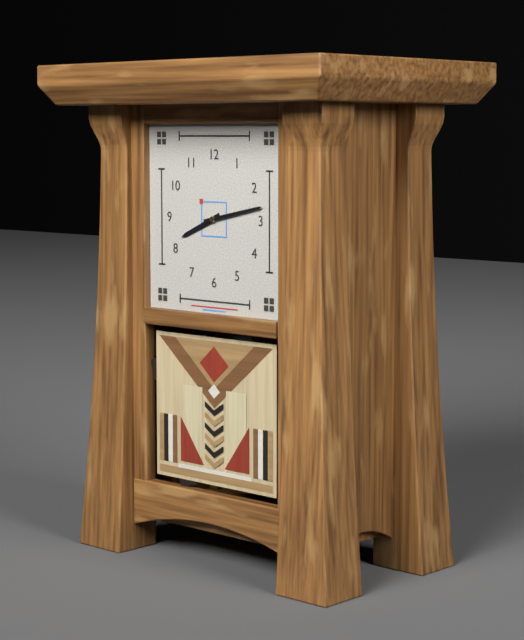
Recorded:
**8:13**
